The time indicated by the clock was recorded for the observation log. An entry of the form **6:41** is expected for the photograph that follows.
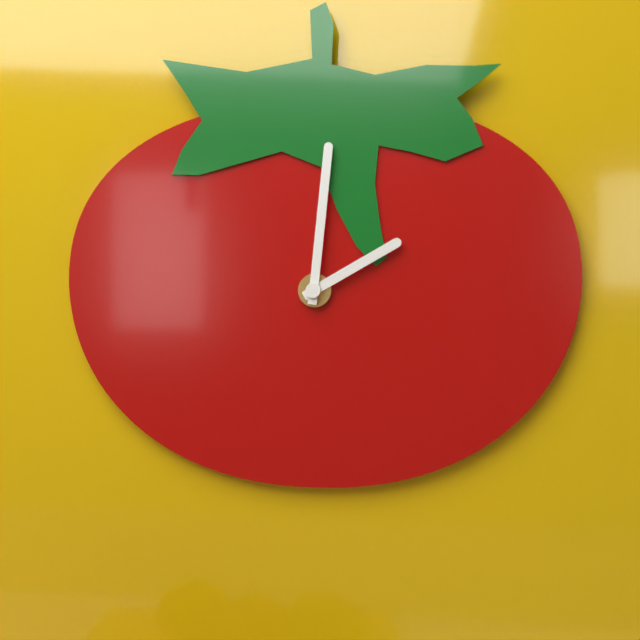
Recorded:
**2:01**
